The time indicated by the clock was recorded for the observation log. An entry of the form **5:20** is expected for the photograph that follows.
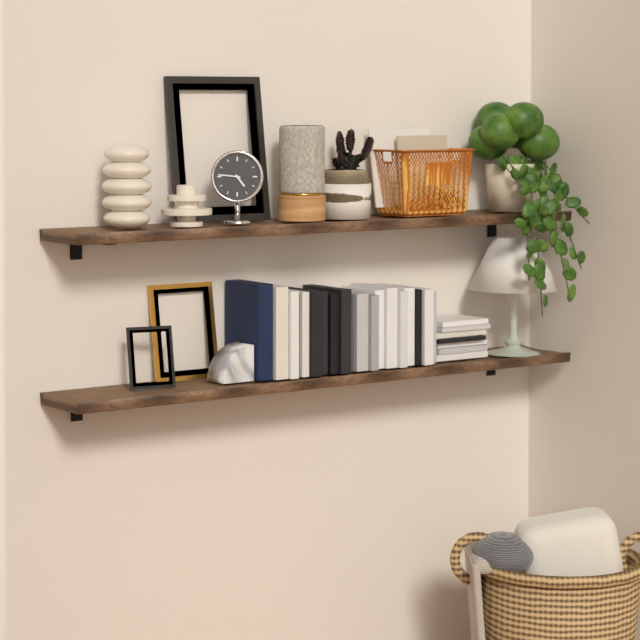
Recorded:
**4:46**
